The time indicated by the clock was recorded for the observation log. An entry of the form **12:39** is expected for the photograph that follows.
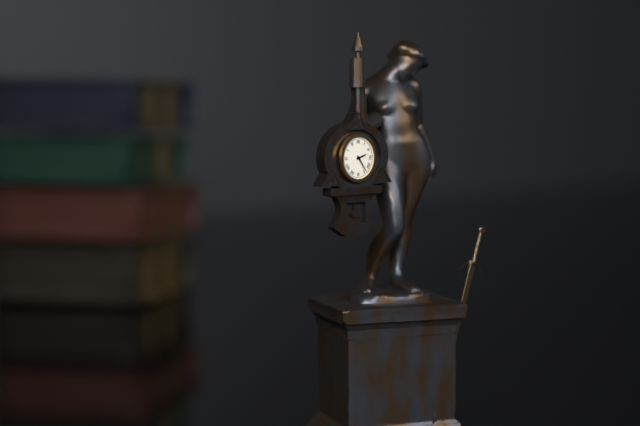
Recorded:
**2:24**
